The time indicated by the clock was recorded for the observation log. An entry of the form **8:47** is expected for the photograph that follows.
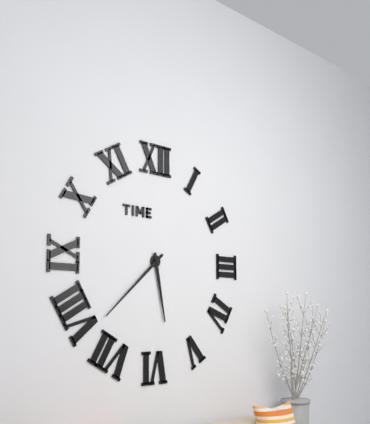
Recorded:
**5:38**
